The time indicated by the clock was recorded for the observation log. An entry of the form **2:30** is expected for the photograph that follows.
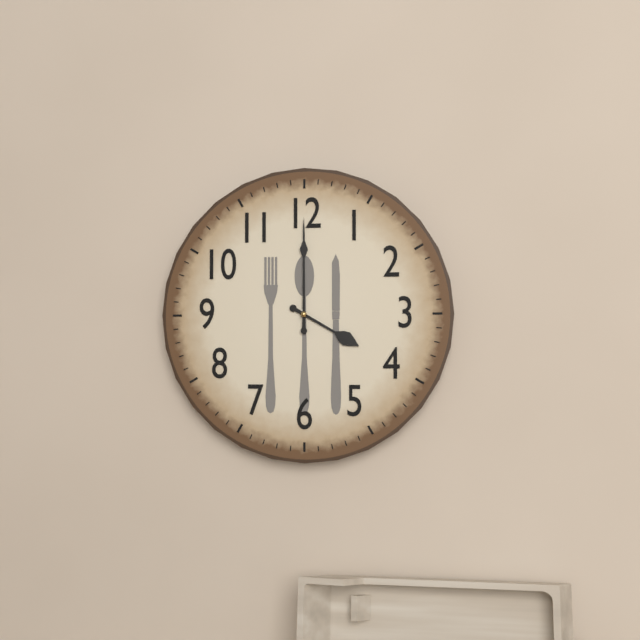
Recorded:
**4:00**
